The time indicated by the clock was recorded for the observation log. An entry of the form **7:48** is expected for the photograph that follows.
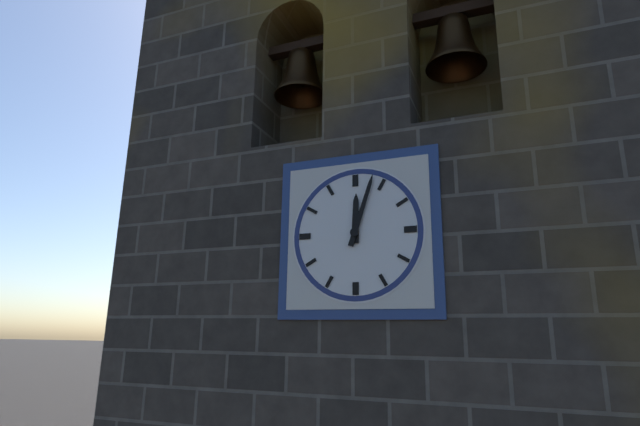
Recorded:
**12:03**
